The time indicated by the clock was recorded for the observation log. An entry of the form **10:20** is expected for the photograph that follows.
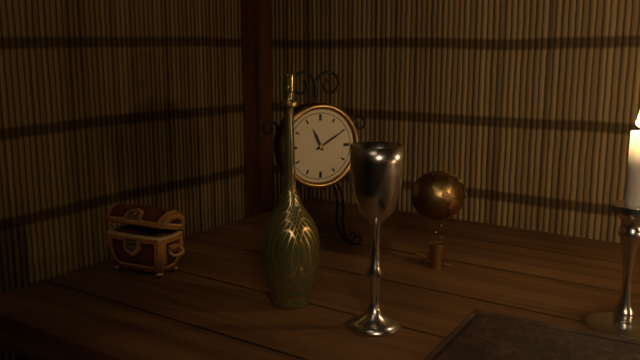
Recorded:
**11:10**
